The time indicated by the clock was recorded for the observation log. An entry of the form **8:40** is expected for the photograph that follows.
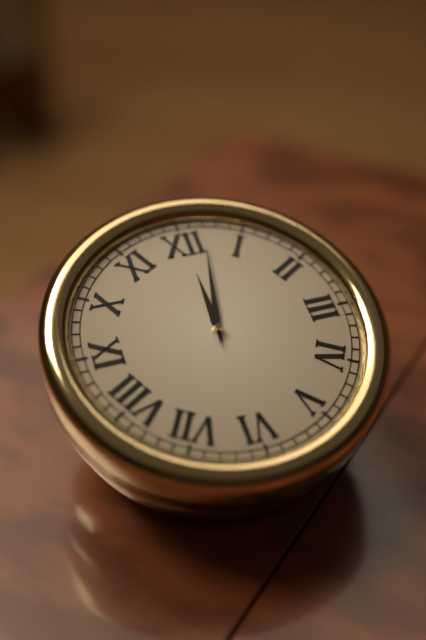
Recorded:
**12:02**
